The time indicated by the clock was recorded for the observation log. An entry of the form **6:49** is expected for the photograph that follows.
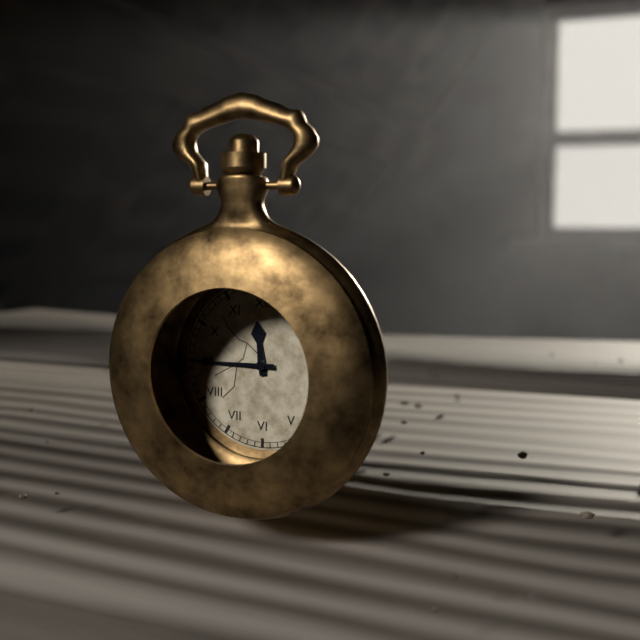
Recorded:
**11:45**
